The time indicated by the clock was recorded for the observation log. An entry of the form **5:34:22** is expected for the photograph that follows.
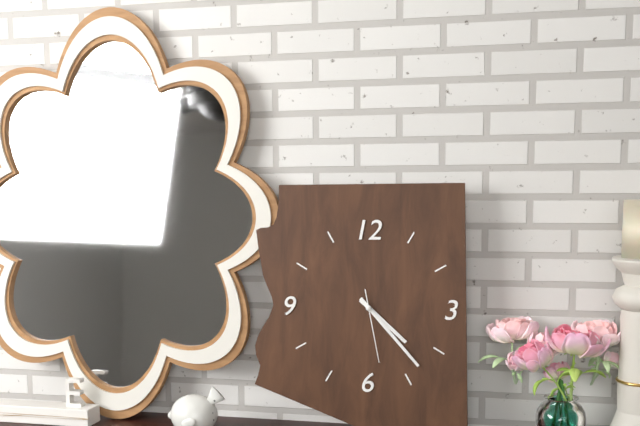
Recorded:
**4:23:28**
